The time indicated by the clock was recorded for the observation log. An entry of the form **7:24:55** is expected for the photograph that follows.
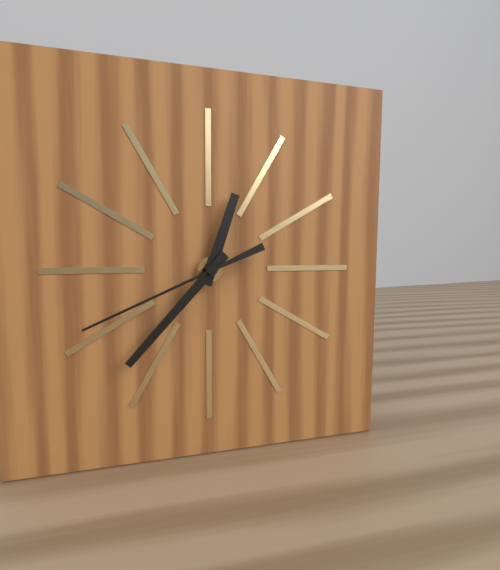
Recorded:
**12:37:41**
